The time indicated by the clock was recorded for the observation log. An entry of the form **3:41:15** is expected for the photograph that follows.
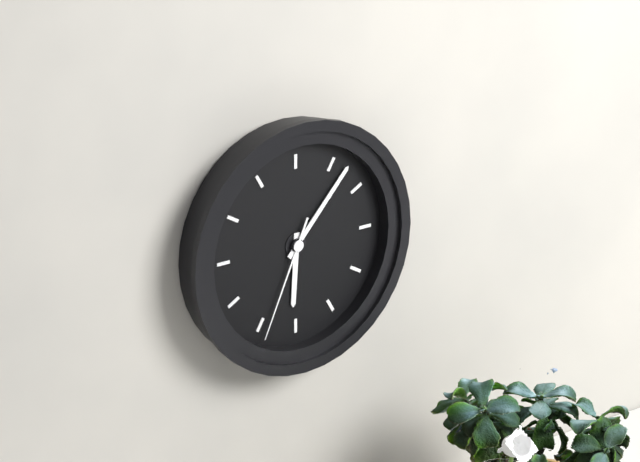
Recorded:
**6:07:34**
